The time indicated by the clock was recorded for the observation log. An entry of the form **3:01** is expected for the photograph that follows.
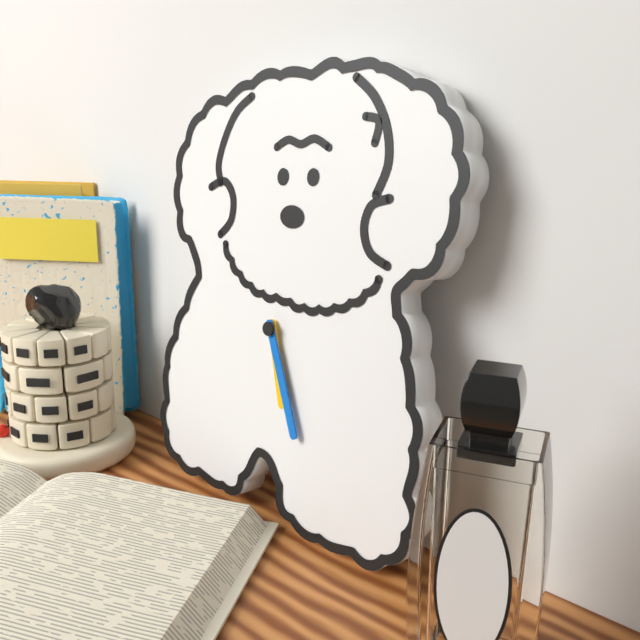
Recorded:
**5:26**
